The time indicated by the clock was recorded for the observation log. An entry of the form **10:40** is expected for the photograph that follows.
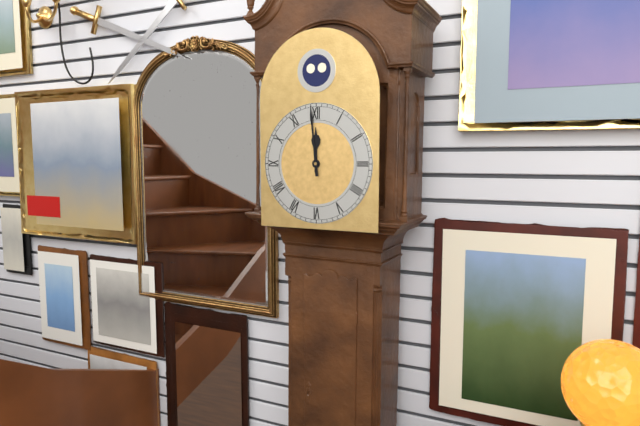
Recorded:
**11:59**
